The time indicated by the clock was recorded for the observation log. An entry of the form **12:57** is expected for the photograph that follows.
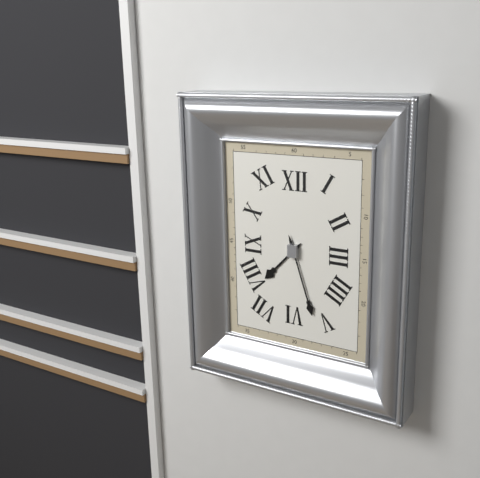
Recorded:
**7:27**
